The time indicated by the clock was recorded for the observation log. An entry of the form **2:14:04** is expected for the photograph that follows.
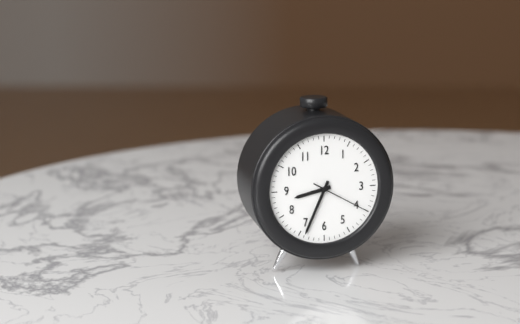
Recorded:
**8:34:20**
